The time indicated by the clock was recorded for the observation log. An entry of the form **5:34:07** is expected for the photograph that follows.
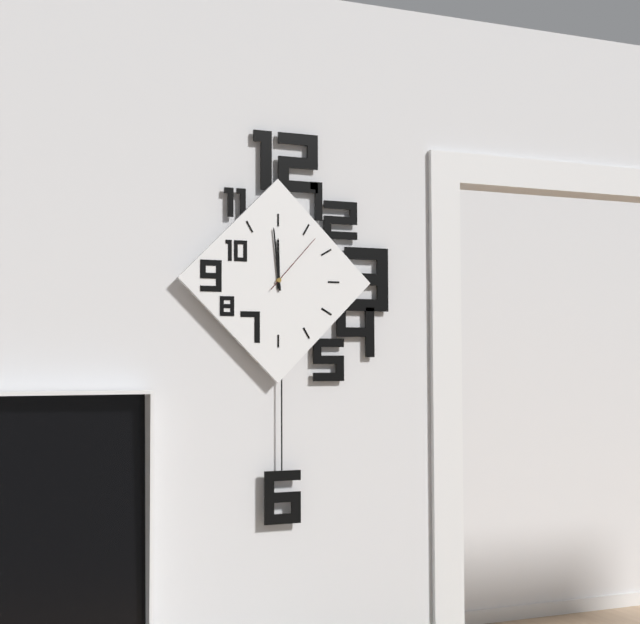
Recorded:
**11:59:07**
